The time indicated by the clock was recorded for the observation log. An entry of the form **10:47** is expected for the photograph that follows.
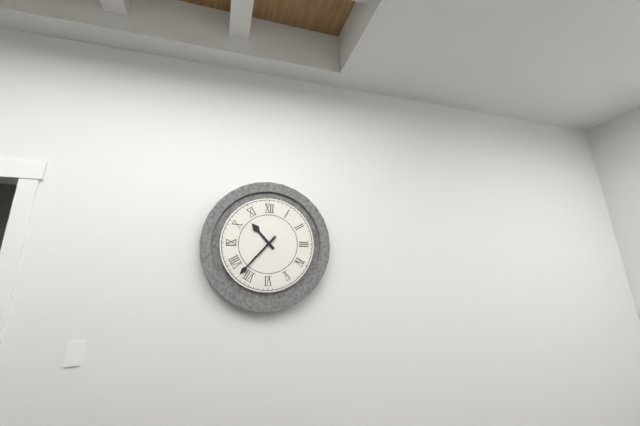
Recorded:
**10:37**
